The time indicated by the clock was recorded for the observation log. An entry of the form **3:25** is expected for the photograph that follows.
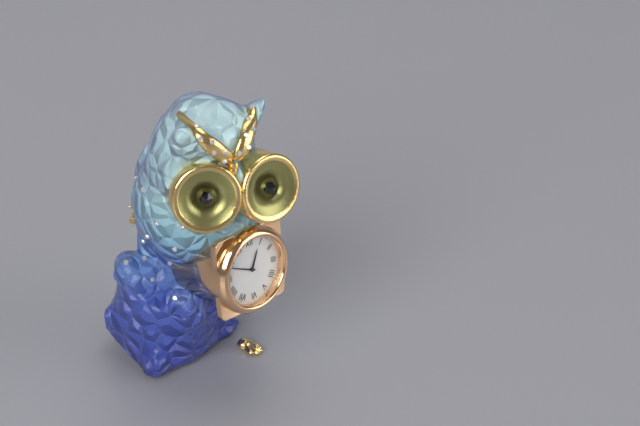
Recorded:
**12:49**
